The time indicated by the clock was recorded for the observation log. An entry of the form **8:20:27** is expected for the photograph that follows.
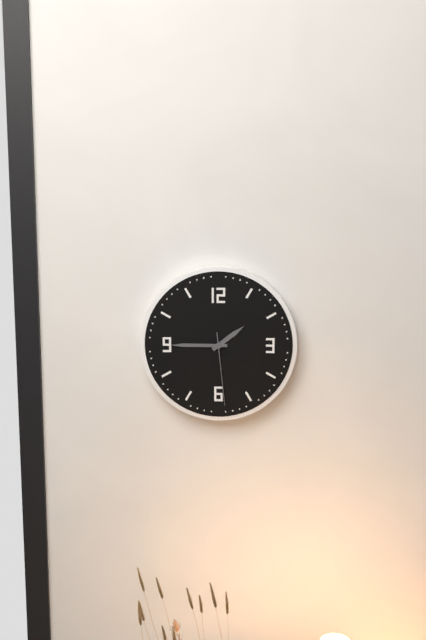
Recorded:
**1:45:29**
